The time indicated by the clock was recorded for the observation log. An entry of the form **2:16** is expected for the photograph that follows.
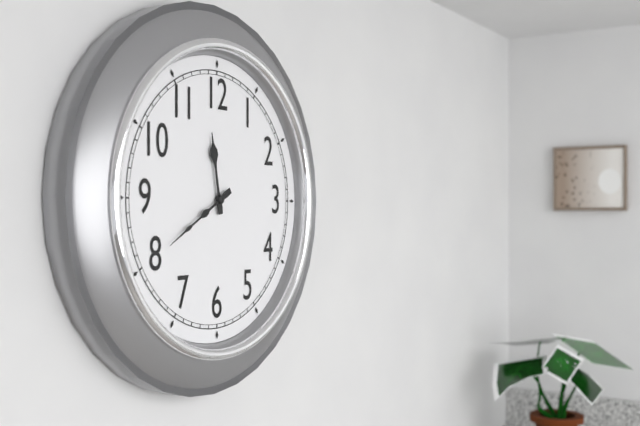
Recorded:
**11:40**
